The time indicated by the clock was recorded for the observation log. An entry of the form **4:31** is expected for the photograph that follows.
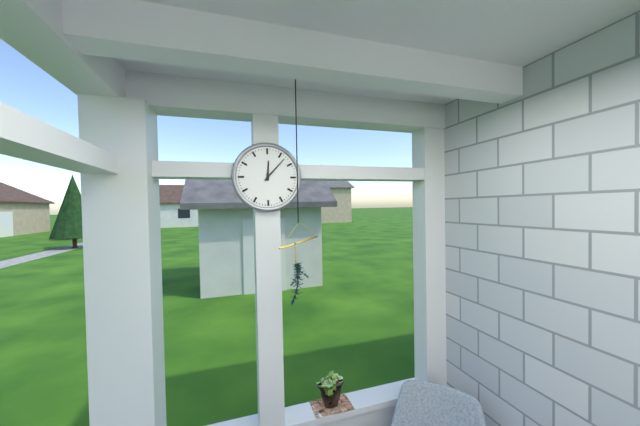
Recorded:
**12:07**
